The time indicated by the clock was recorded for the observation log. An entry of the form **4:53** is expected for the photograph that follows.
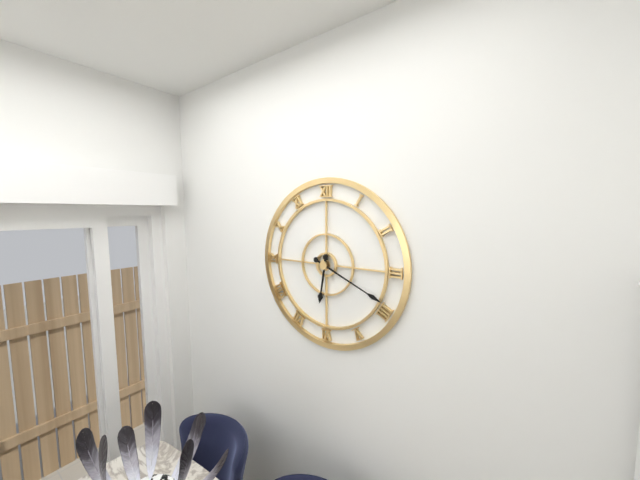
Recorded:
**6:19**
